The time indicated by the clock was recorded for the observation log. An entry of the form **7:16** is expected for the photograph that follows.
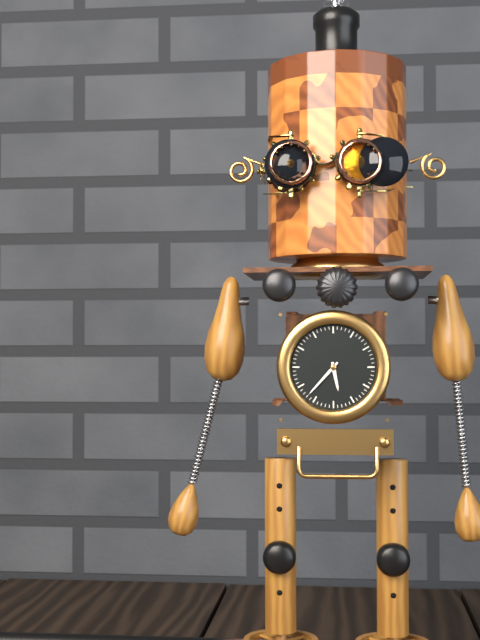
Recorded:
**5:37**
